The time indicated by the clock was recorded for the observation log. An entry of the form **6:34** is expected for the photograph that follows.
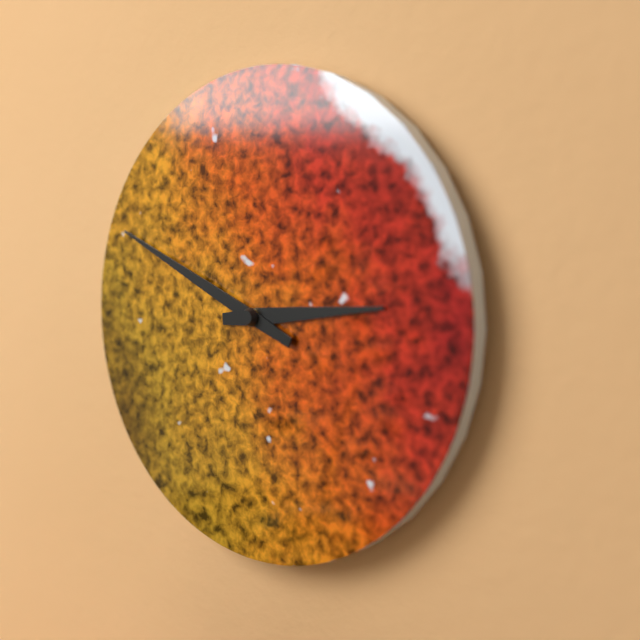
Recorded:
**2:49**
